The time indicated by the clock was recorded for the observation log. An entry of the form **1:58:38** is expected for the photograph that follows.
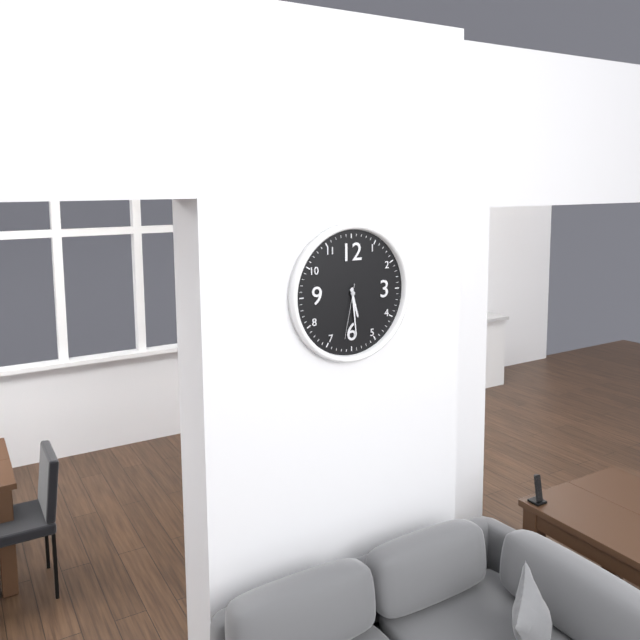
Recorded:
**5:29:32**
